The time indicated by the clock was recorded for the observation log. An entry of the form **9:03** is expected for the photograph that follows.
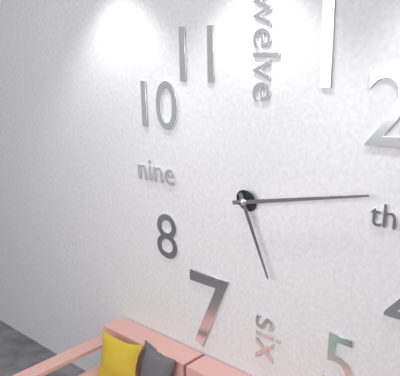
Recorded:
**5:13**
